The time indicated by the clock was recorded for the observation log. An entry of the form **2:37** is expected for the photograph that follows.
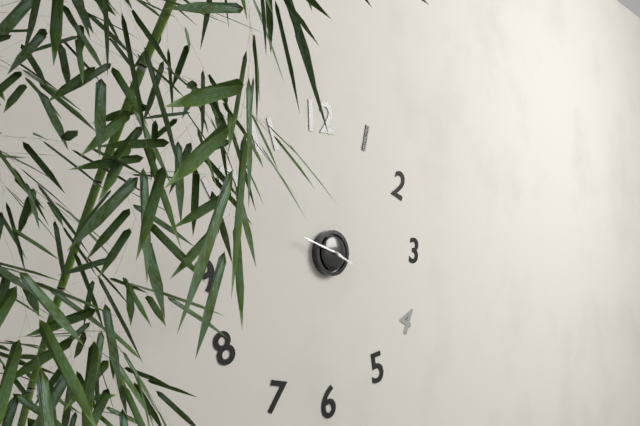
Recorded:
**3:48**
